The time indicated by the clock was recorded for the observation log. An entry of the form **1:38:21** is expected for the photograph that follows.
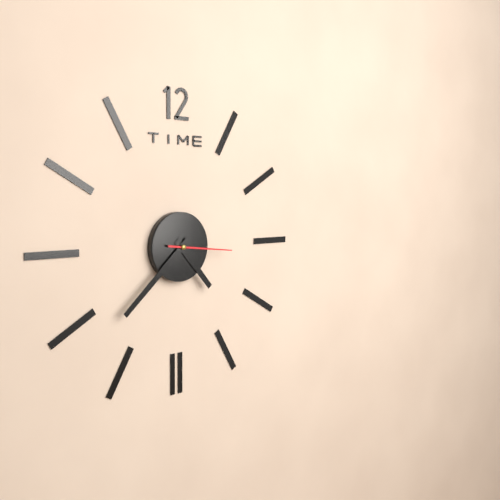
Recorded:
**4:38:16**
